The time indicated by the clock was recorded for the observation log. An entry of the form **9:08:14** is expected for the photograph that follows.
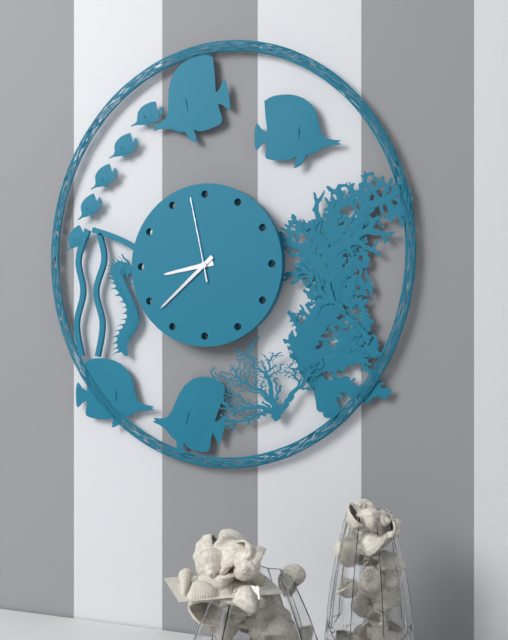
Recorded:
**8:38:58**
